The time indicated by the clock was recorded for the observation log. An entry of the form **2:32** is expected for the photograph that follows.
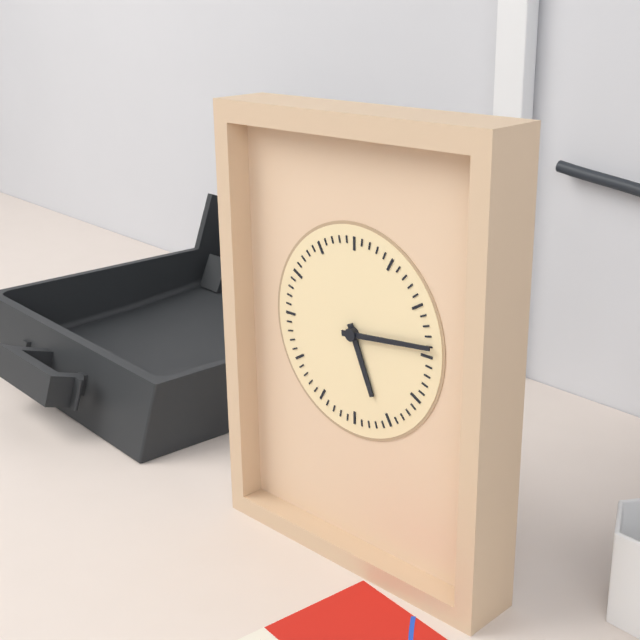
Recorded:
**5:14**
